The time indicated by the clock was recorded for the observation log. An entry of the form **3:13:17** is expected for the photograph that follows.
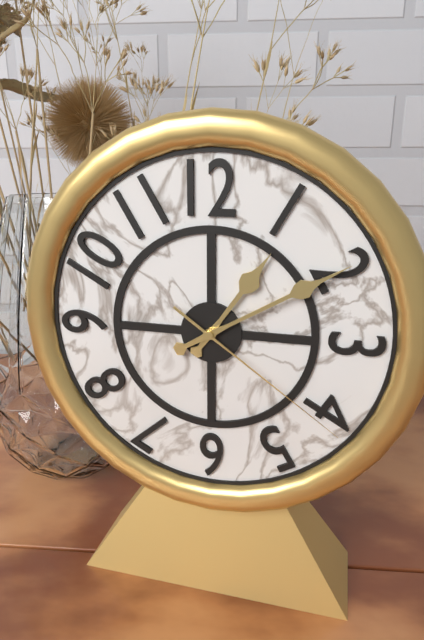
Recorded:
**1:10:21**
